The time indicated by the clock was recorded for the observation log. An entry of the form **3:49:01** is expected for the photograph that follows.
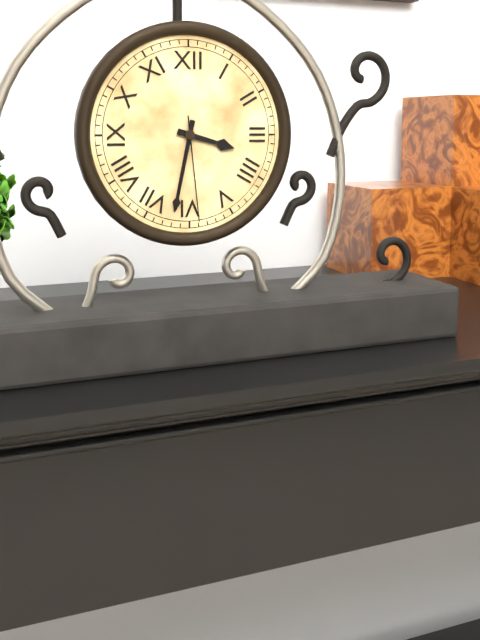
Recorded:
**3:32:29**
